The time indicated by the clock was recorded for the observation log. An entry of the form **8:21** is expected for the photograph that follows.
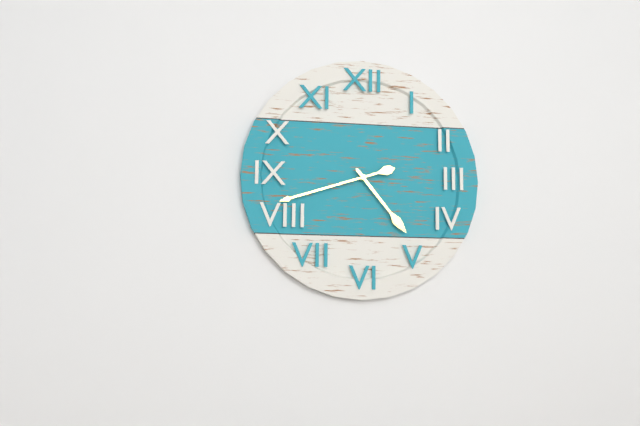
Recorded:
**4:42**
